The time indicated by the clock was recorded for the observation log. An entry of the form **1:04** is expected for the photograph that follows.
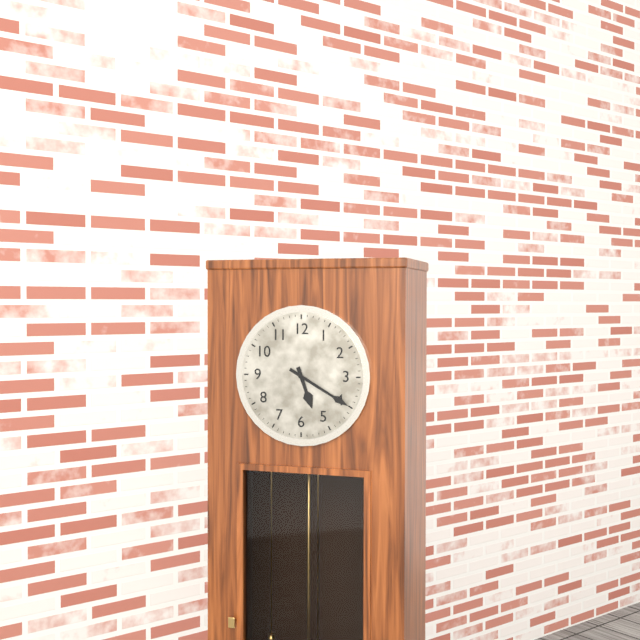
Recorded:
**5:20**
